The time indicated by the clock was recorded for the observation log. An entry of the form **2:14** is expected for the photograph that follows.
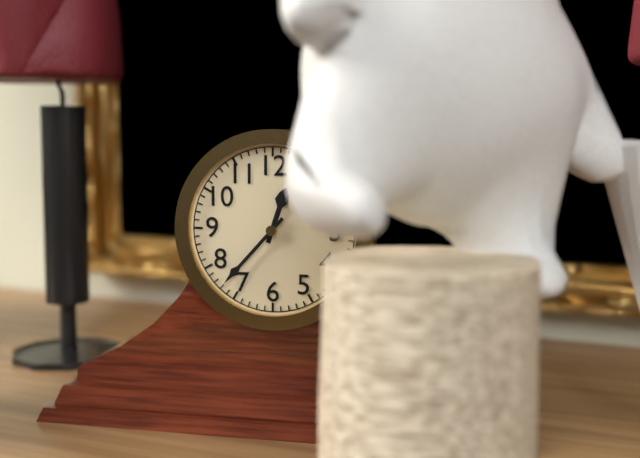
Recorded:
**12:37**
